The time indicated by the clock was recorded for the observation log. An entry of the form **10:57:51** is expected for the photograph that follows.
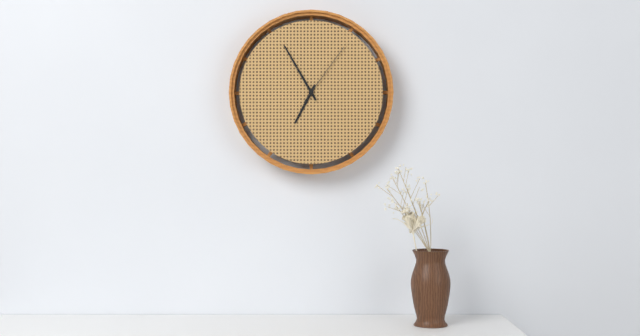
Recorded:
**6:55:06**
